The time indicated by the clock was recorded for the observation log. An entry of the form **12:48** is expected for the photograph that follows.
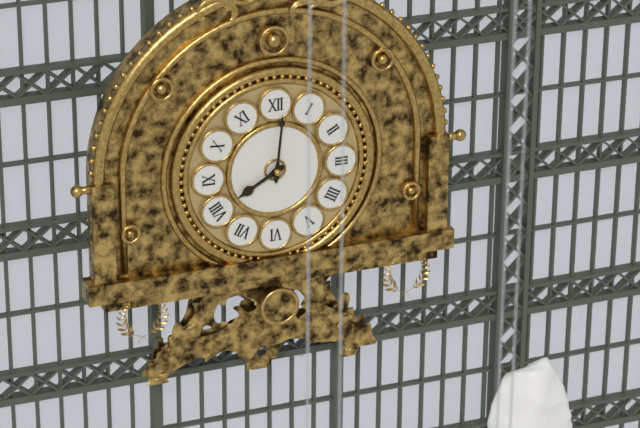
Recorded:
**8:01**
